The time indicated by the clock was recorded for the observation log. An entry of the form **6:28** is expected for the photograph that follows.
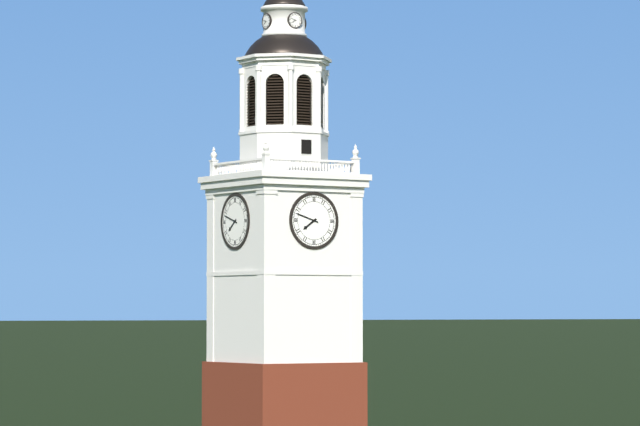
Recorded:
**7:48**
